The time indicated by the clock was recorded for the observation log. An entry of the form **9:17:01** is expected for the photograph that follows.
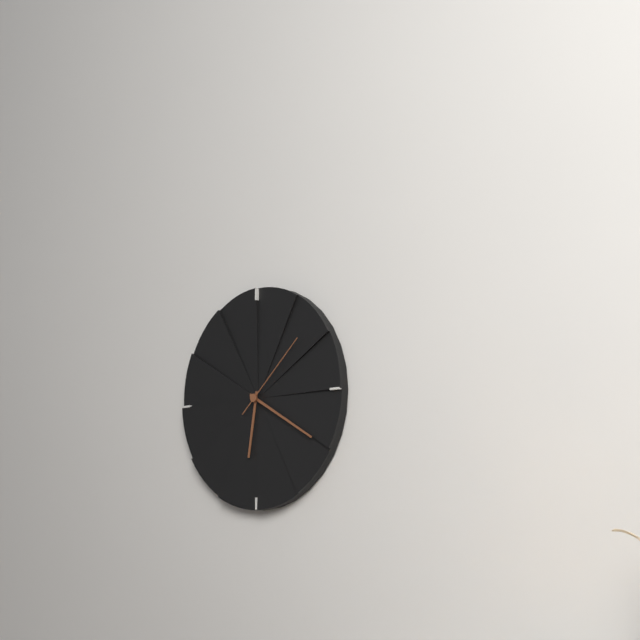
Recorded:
**6:20:08**
